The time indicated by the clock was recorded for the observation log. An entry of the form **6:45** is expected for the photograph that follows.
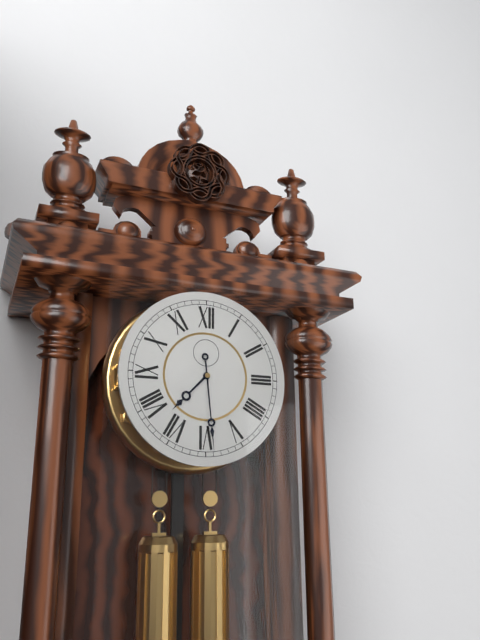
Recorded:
**7:29**
